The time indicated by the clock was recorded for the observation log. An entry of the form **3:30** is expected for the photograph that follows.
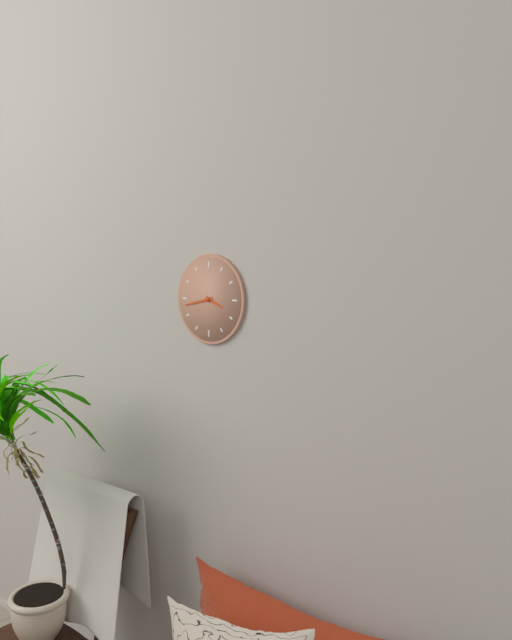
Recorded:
**3:43**
